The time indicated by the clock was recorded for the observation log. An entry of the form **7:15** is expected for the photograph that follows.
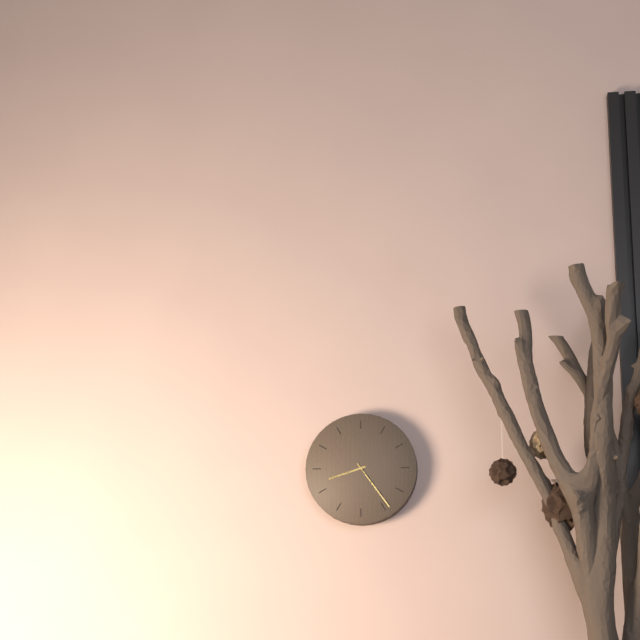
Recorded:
**8:24**
